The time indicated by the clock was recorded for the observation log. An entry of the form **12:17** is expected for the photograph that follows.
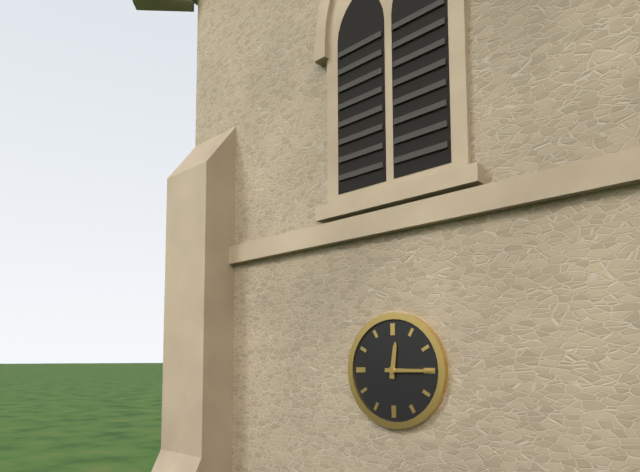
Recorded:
**12:15**
